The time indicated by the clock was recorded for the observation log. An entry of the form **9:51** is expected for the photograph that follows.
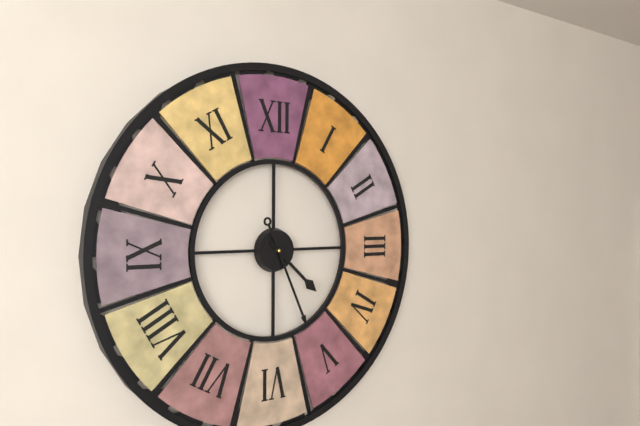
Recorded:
**4:26**
